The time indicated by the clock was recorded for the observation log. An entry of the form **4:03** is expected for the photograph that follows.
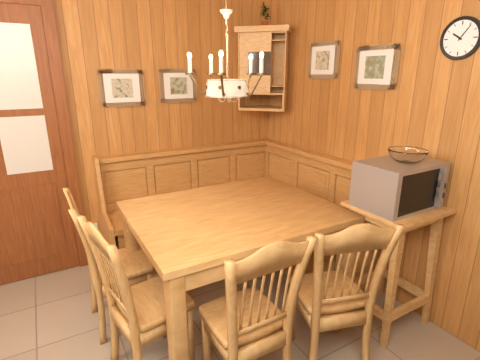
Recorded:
**10:06**
